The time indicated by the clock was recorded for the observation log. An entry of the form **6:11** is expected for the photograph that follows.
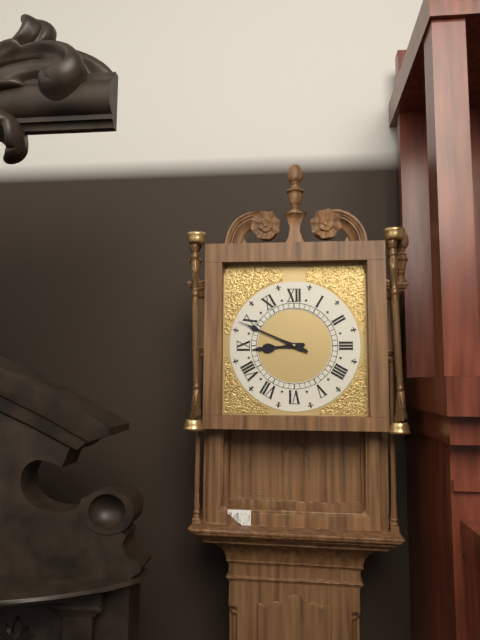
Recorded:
**8:49**
